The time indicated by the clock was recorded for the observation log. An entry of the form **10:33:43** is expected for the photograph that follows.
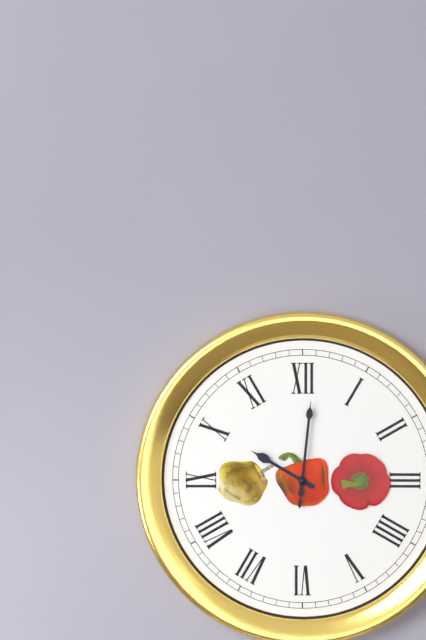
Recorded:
**10:01:01**
